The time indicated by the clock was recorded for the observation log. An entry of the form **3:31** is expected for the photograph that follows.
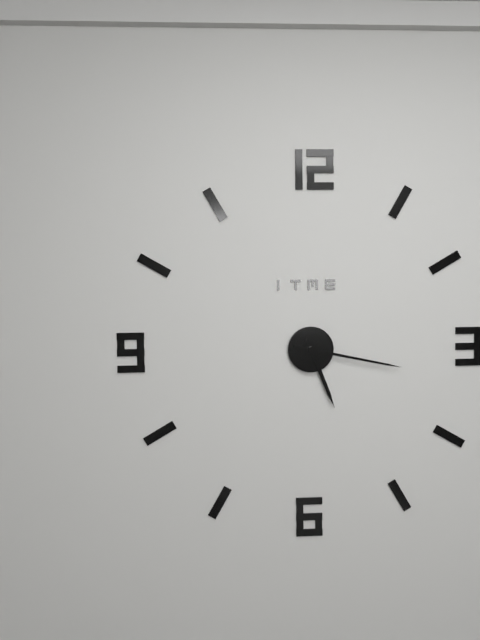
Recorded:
**5:17**
